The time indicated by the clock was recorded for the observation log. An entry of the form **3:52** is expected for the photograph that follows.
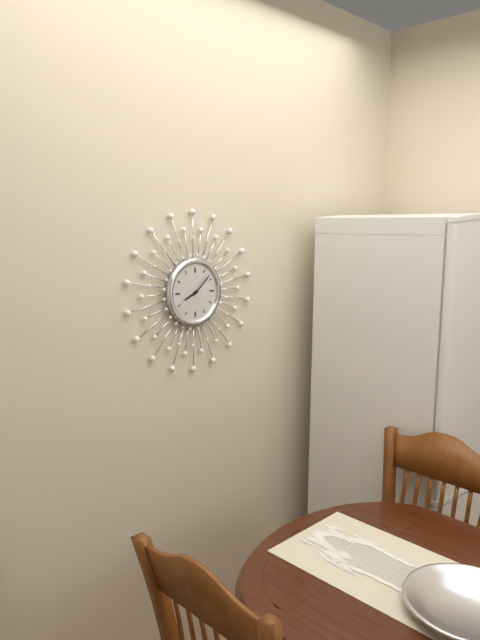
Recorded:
**8:08**
